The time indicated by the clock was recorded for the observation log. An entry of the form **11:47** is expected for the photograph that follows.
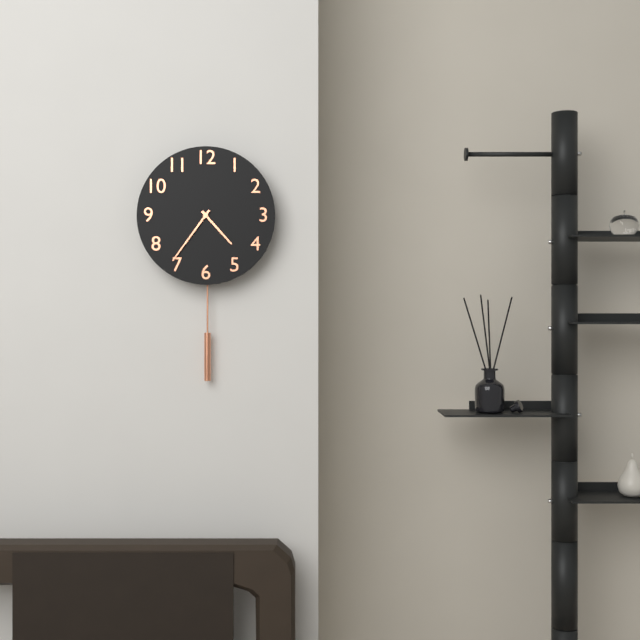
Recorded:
**4:36**
